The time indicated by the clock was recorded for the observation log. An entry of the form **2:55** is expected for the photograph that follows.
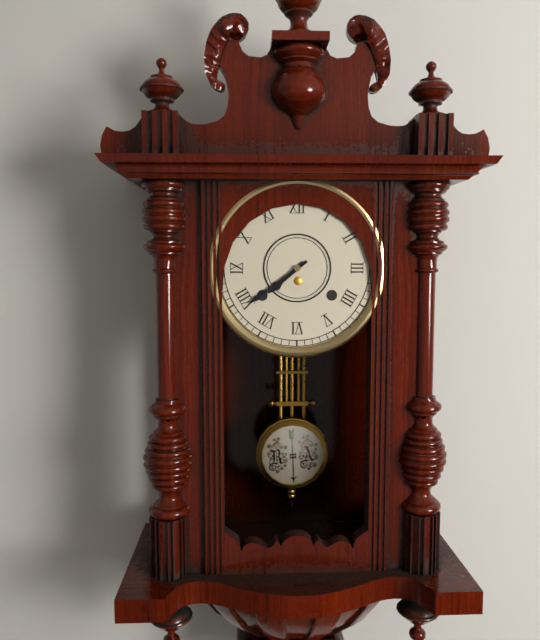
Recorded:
**7:39**
